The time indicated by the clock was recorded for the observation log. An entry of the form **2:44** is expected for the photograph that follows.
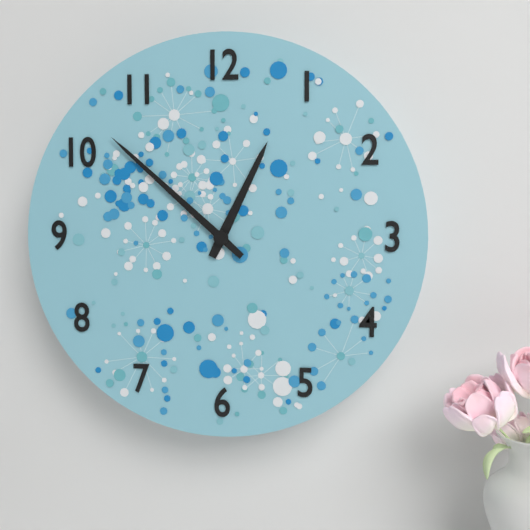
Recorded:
**12:52**
